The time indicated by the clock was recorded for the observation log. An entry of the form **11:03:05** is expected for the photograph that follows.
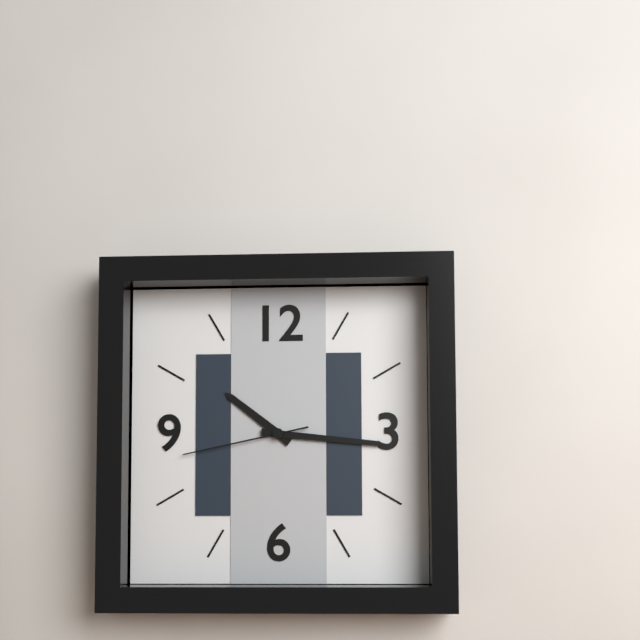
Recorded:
**10:16:43**
